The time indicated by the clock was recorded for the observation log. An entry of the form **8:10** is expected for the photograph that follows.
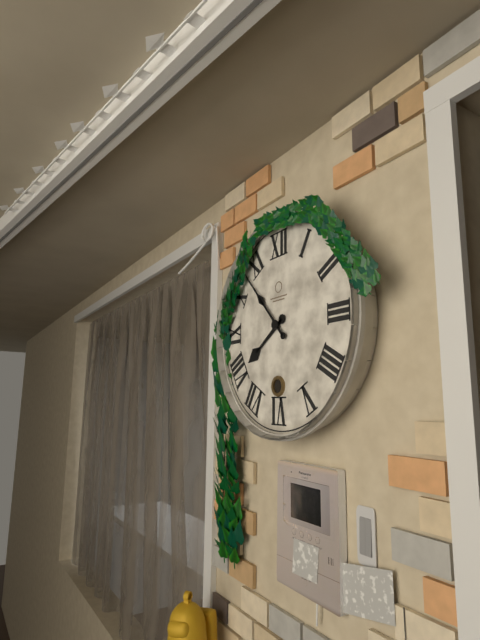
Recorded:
**7:53**
